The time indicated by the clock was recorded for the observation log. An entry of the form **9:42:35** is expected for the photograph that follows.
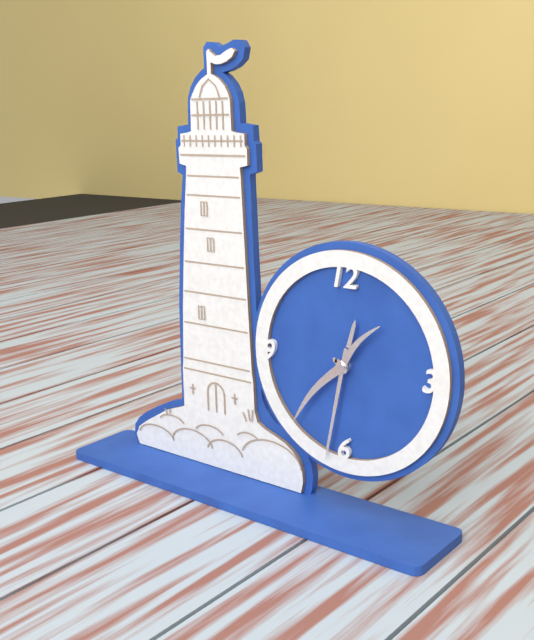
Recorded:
**12:32:37**
